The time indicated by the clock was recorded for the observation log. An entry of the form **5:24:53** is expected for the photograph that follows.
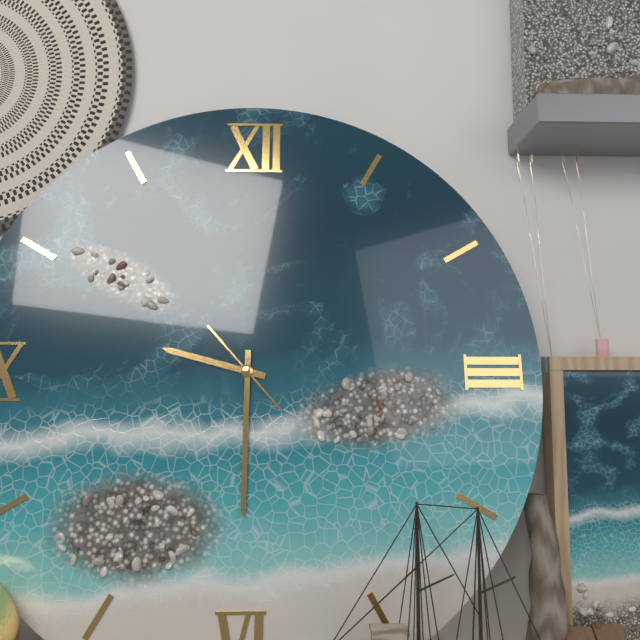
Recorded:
**9:30:53**
